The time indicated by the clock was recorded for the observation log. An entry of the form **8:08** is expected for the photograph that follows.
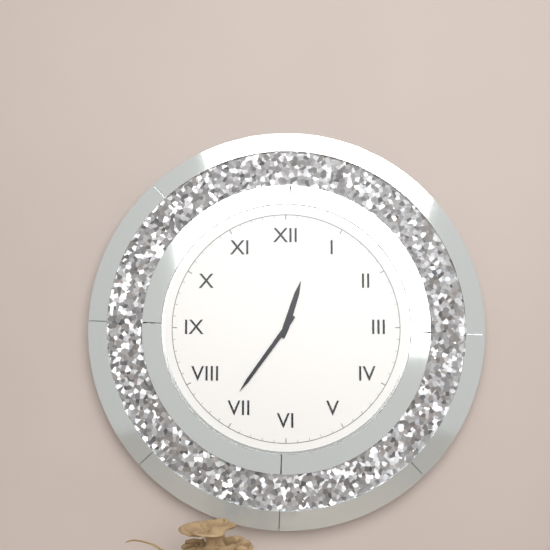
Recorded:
**12:36**
